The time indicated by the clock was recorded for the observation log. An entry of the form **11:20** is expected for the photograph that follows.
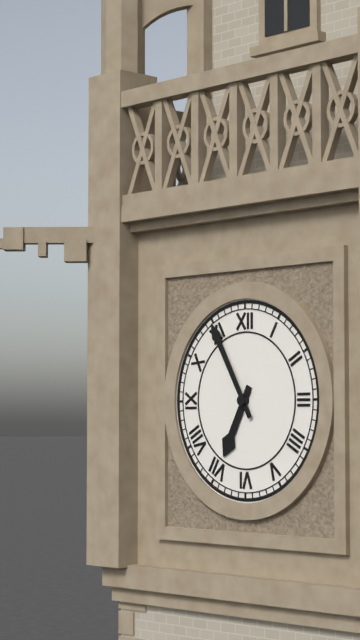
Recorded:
**6:55**
